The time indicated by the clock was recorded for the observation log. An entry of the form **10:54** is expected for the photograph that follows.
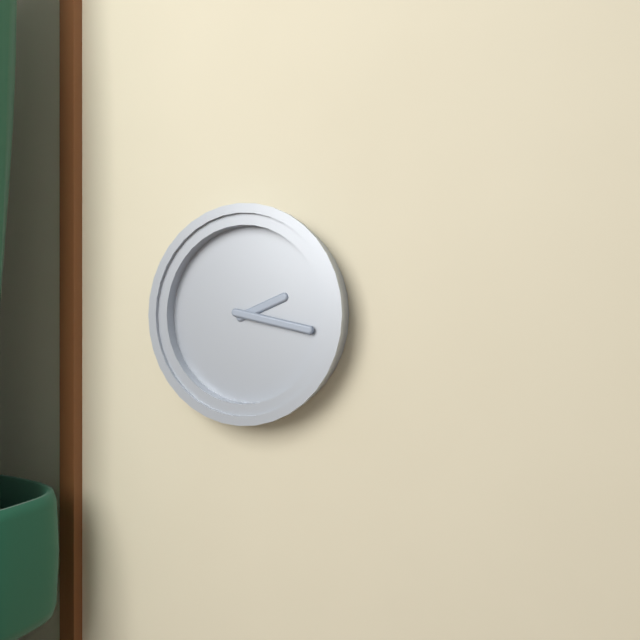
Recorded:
**2:17**
